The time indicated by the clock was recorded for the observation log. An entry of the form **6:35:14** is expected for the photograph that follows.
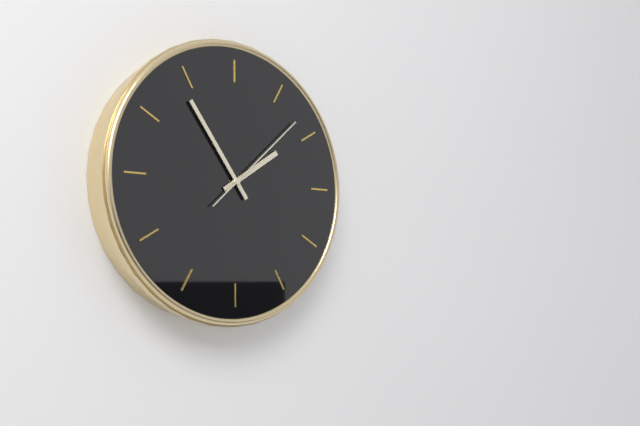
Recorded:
**1:54:08**
